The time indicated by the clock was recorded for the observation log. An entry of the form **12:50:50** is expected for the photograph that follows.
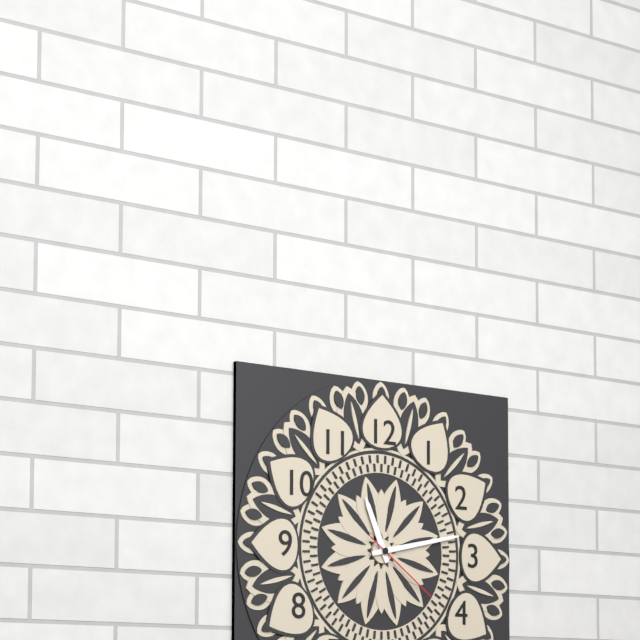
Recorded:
**11:13:21**
